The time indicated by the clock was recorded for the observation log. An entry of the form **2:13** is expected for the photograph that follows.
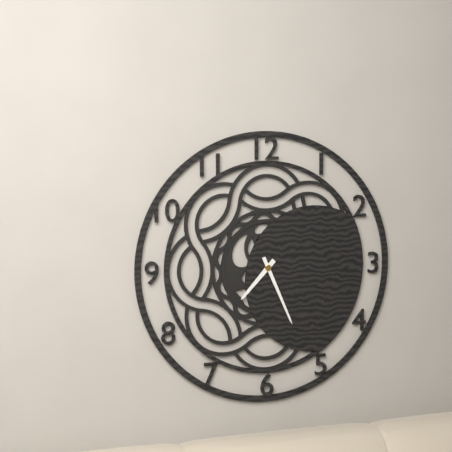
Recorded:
**7:26**
